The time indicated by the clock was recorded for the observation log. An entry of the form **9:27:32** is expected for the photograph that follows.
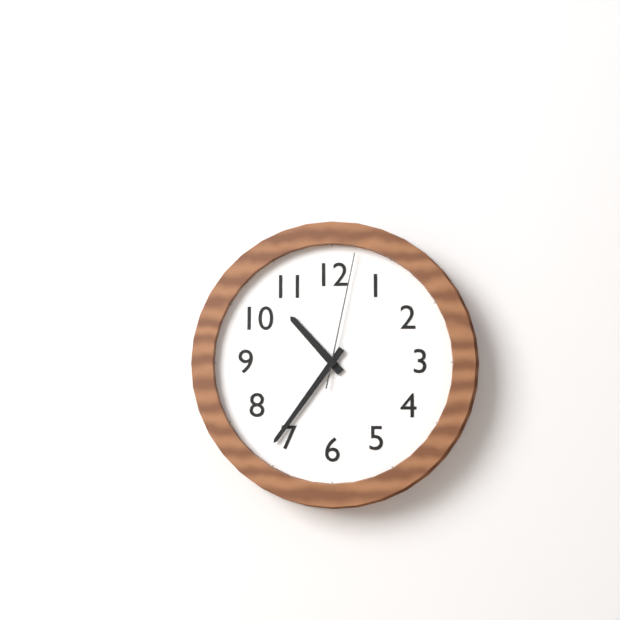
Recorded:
**10:36:02**
